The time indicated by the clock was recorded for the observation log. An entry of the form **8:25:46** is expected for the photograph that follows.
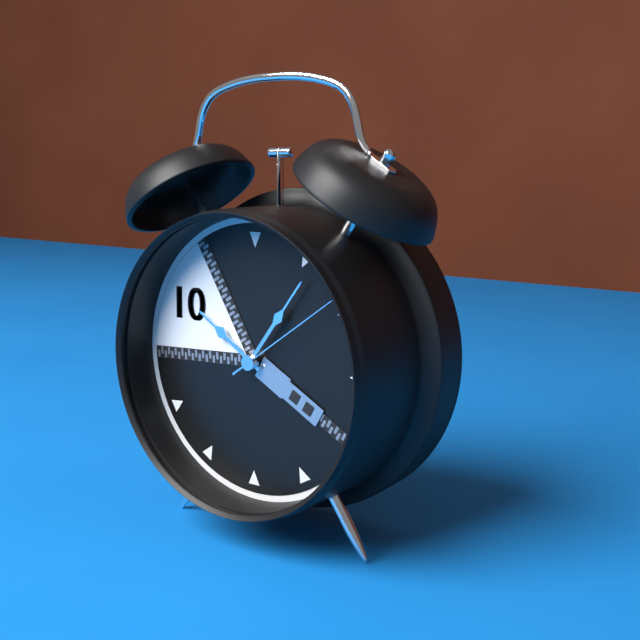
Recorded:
**10:06:09**
